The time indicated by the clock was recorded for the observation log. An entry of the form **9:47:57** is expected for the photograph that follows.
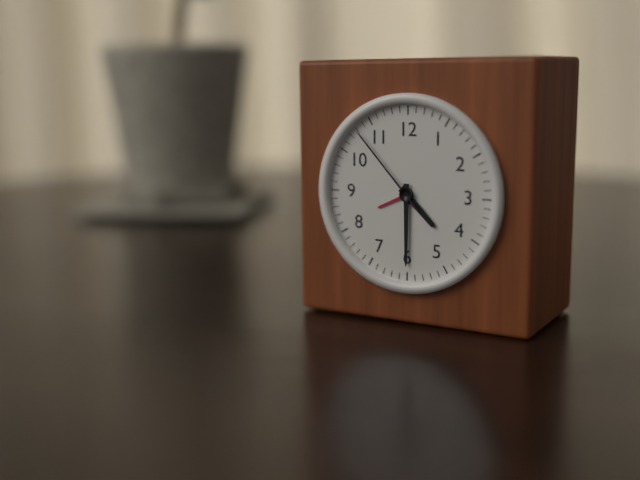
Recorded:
**4:30:53**
